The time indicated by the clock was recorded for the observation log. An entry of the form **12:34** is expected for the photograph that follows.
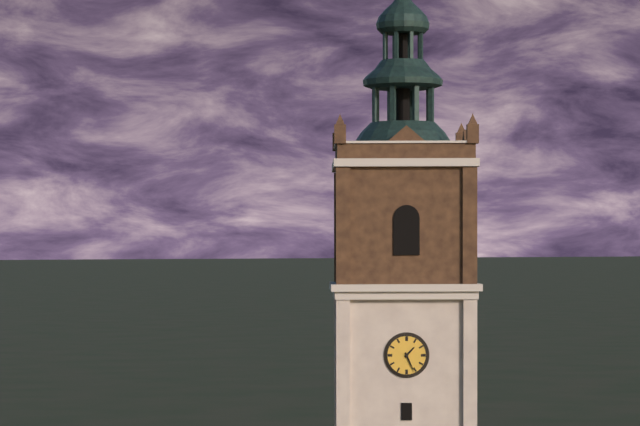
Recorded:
**1:26**
